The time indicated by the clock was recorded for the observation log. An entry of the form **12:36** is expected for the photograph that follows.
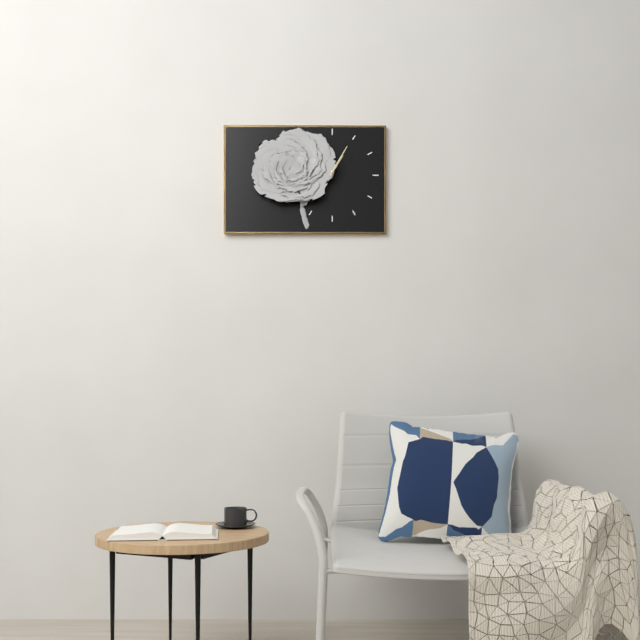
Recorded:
**1:05**
